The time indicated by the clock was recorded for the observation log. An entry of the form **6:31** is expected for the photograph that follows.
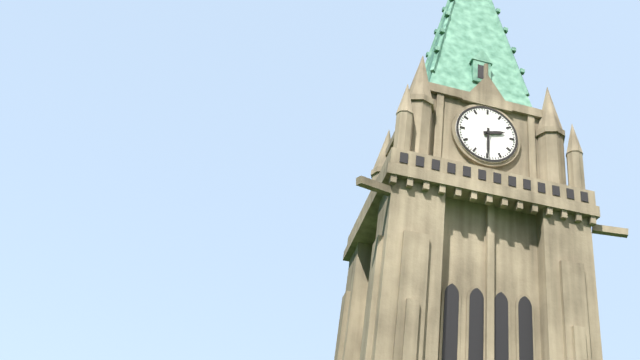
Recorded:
**2:30**
